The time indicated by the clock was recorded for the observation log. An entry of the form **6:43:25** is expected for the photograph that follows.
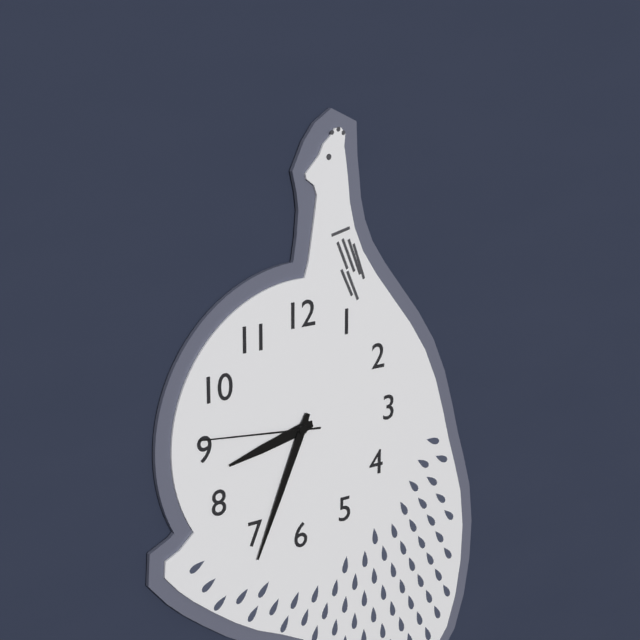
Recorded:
**8:34:46**
